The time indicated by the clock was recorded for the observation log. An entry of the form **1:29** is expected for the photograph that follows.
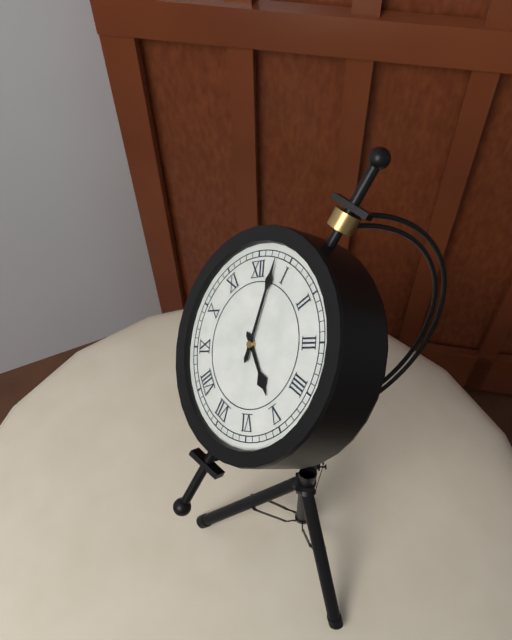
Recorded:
**5:03**
